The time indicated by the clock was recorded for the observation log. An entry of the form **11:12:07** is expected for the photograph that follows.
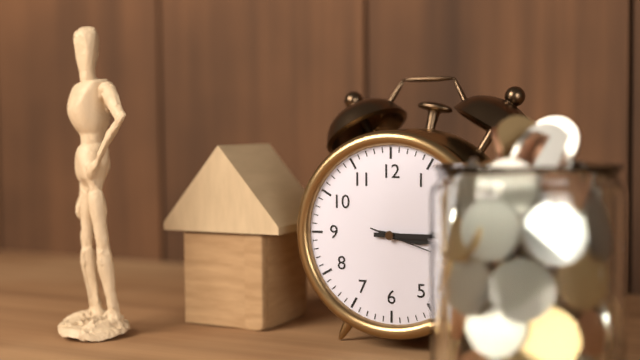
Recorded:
**3:15:18**
